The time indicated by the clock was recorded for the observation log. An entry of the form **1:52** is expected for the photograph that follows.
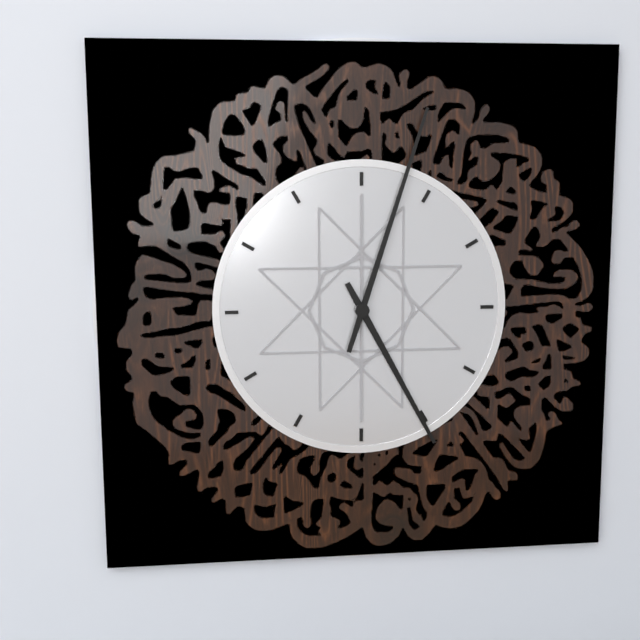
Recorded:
**5:03**
